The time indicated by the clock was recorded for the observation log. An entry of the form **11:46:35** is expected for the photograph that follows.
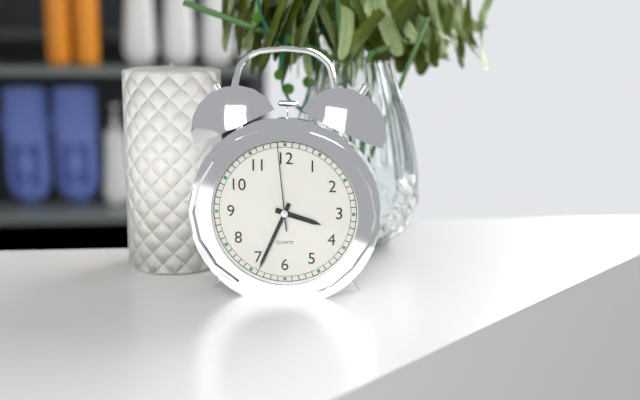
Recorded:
**3:34:59**
